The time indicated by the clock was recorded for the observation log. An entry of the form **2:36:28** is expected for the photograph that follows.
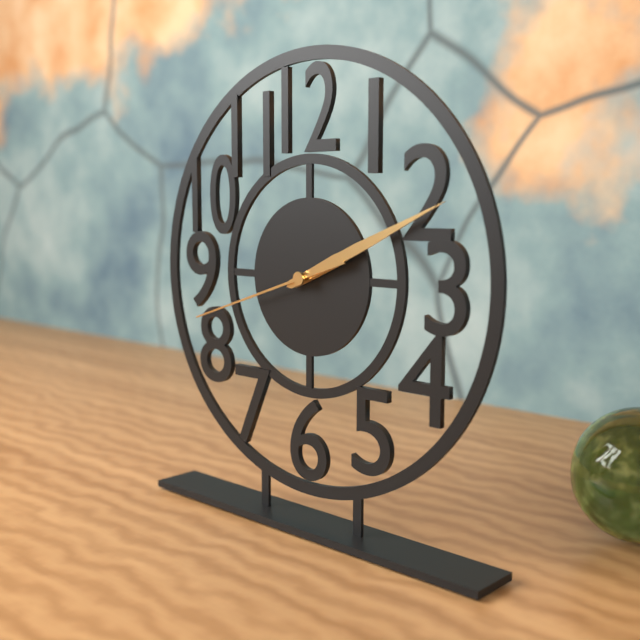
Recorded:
**2:11:42**
